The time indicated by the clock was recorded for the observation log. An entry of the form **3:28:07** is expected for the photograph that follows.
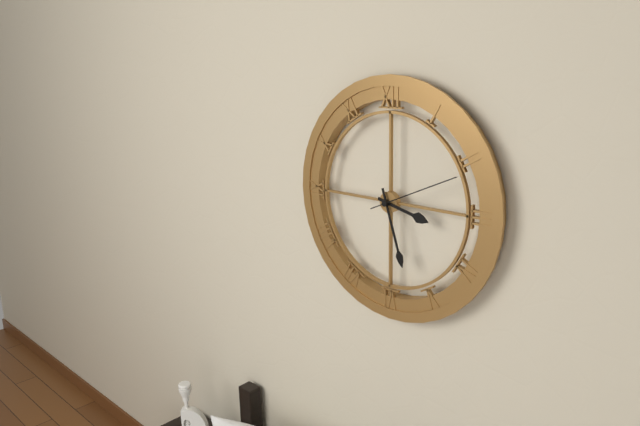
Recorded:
**3:27:11**
